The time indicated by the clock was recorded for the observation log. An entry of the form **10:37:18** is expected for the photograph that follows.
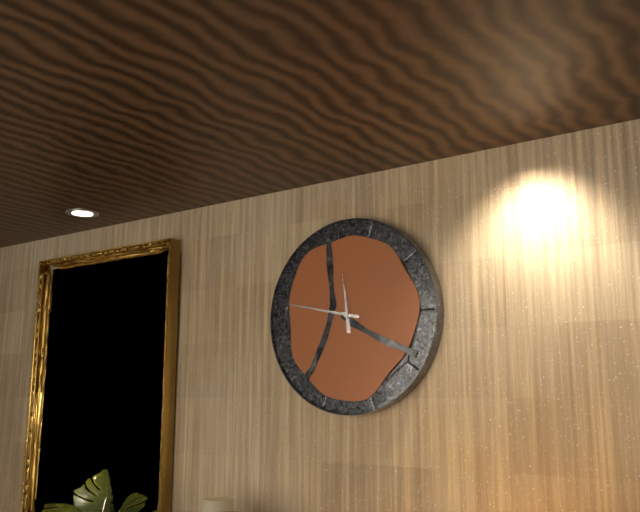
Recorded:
**11:47:59**
